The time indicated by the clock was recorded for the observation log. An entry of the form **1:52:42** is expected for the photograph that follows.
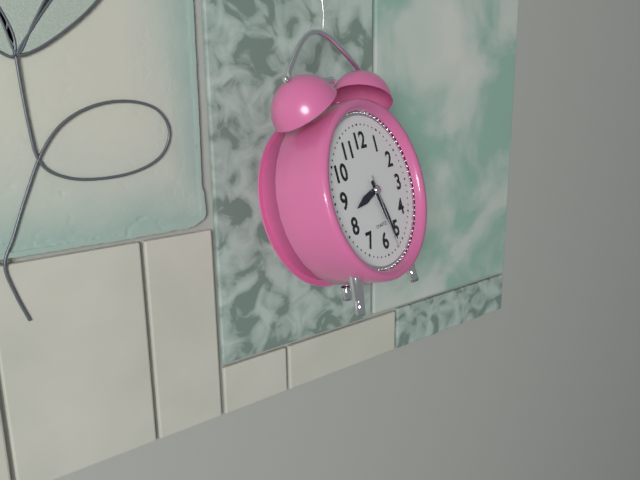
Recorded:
**8:27:28**
